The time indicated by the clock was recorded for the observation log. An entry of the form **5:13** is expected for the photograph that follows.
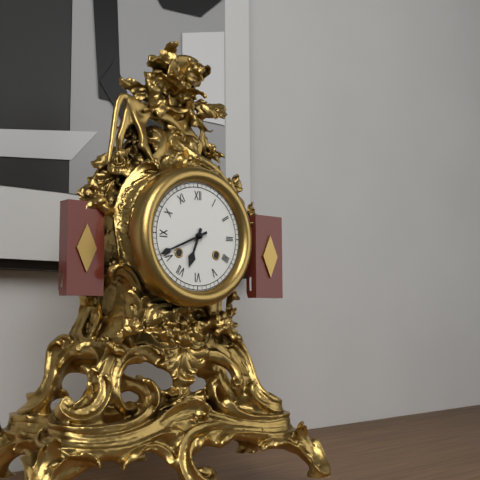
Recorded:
**6:41**
